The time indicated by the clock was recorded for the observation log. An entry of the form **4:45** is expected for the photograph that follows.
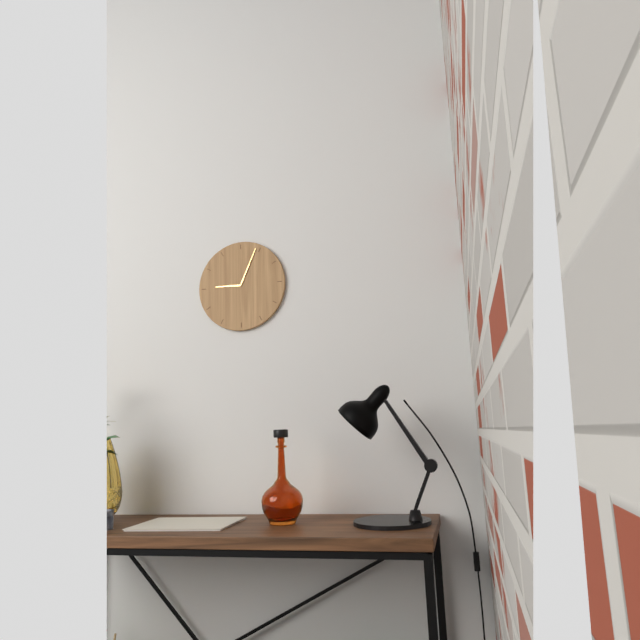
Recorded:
**9:04**
